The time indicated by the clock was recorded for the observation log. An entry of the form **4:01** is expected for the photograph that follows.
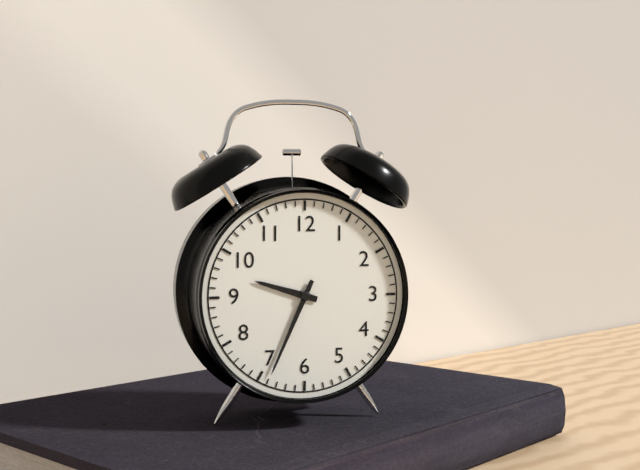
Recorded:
**9:34**
